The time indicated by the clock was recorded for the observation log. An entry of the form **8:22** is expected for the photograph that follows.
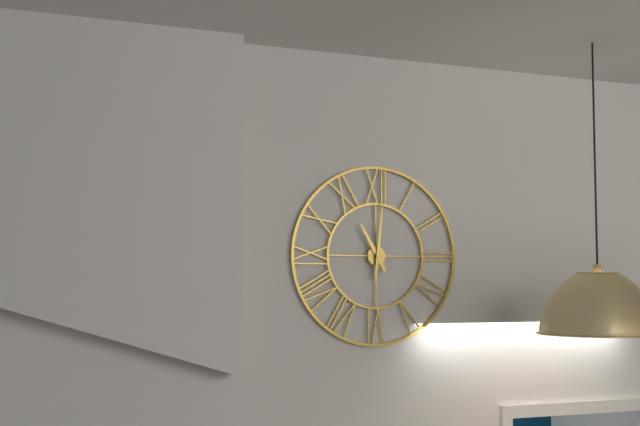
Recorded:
**11:01**
